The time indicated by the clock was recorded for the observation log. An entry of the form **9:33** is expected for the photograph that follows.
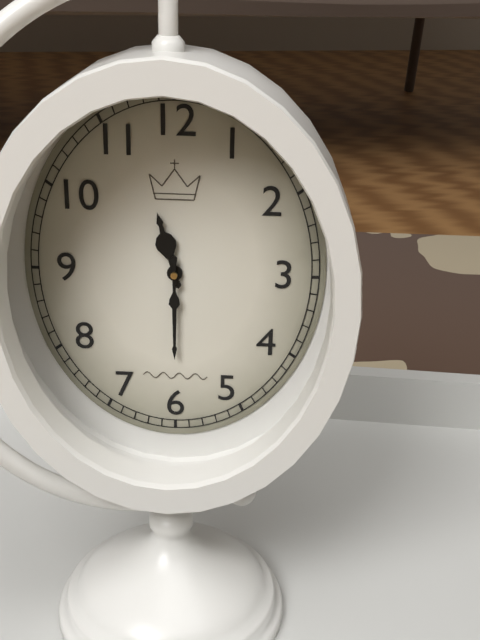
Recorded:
**11:30**
